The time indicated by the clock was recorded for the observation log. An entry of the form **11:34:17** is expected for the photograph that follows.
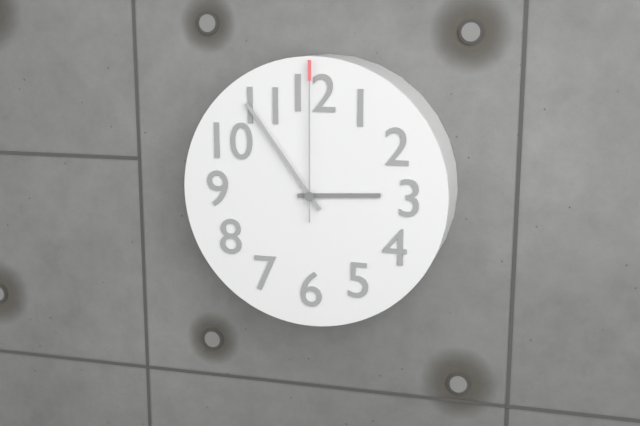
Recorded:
**2:54:00**
